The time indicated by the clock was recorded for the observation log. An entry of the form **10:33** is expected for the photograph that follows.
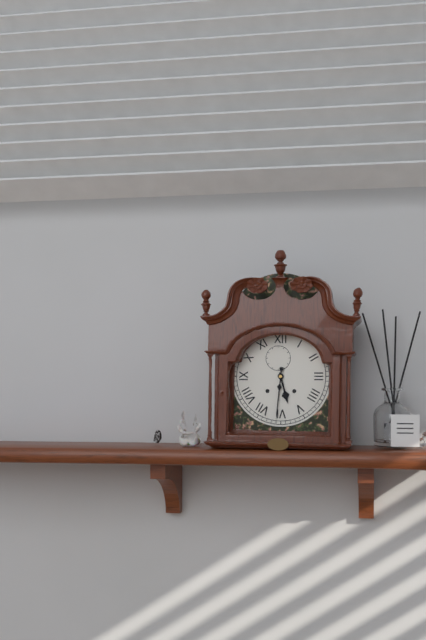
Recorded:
**5:31**
